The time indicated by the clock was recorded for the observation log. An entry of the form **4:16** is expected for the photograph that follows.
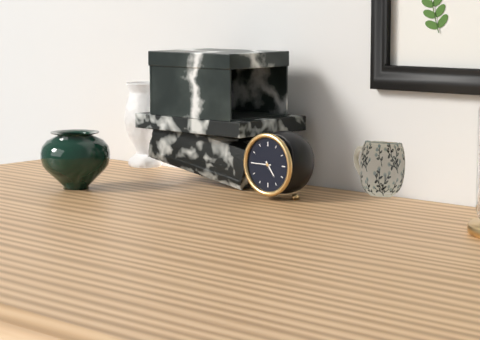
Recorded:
**4:45**
